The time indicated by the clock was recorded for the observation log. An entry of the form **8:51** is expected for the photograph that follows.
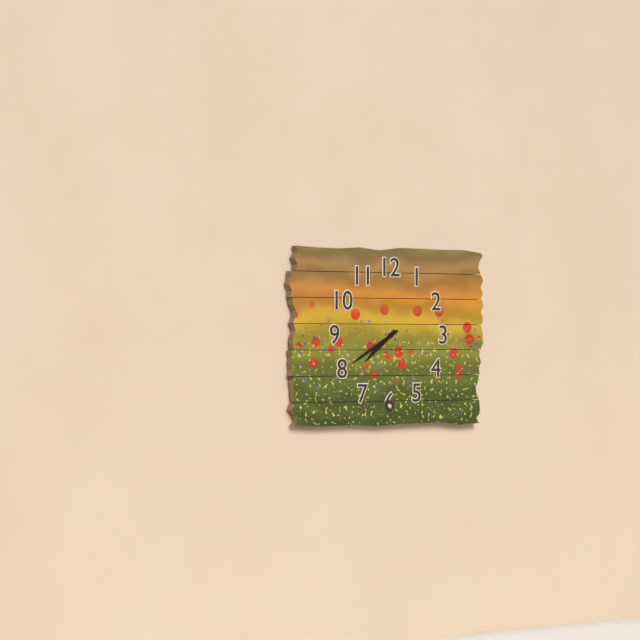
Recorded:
**7:40**
